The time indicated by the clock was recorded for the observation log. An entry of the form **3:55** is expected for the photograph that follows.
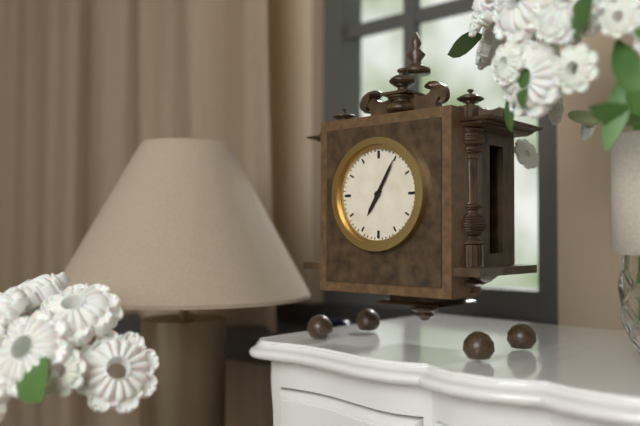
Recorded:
**7:05**
